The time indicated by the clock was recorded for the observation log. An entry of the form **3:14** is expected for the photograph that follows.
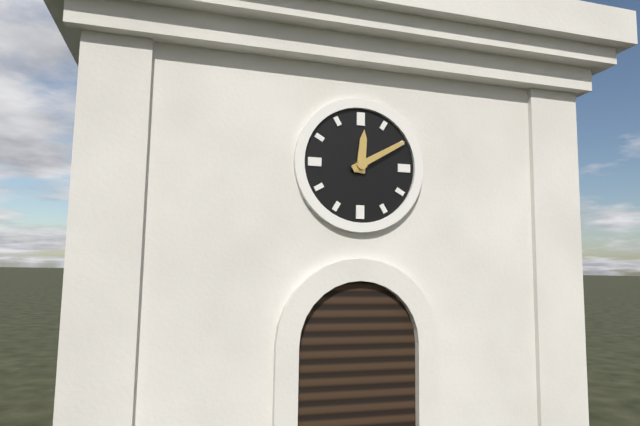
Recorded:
**12:10**
